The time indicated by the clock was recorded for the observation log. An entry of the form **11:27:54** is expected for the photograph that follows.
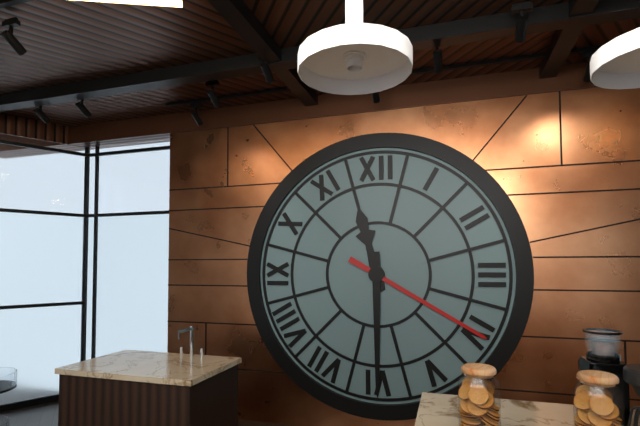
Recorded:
**11:30:20**
